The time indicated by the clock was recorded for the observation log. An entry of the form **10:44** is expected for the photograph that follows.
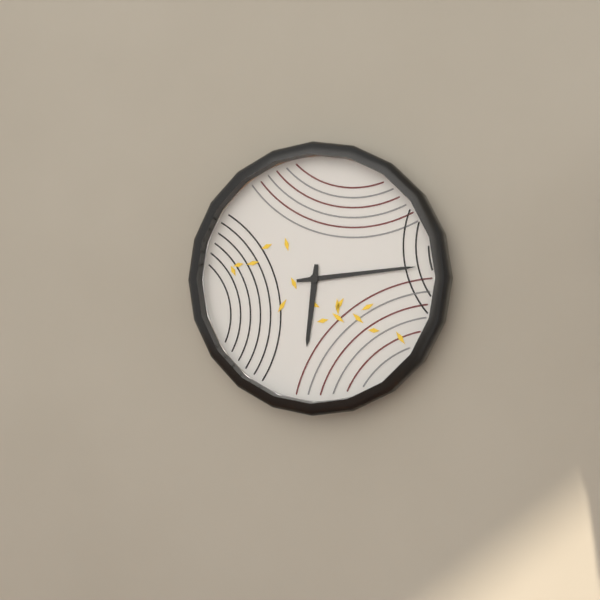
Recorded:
**6:14**
